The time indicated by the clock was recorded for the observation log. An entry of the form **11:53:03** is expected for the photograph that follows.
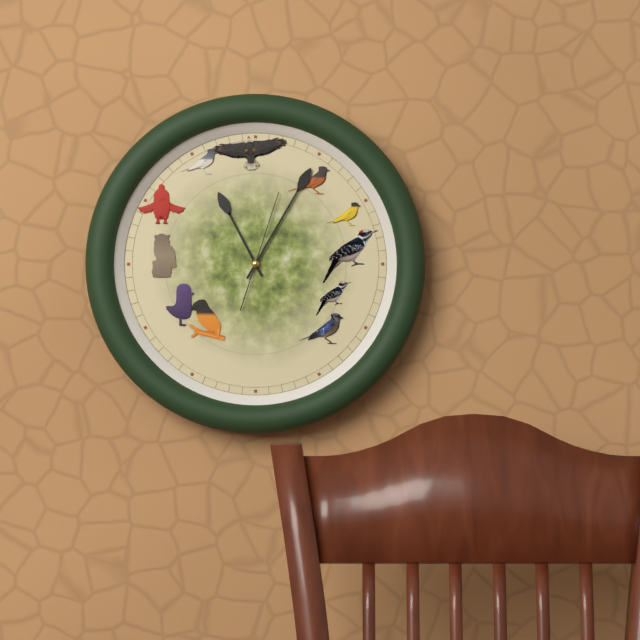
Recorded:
**11:05:03**
